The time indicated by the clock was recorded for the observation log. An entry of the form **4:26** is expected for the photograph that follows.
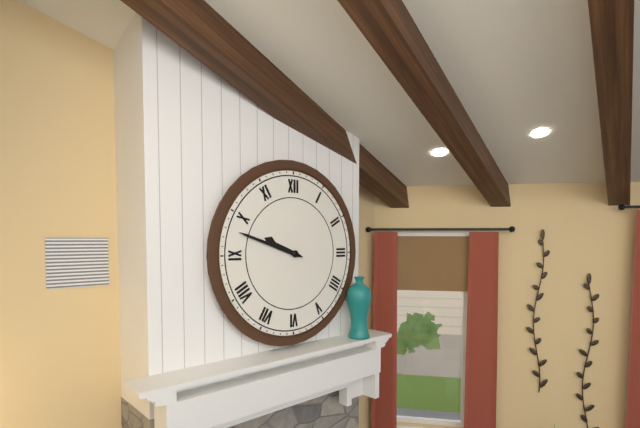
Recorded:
**9:48**
